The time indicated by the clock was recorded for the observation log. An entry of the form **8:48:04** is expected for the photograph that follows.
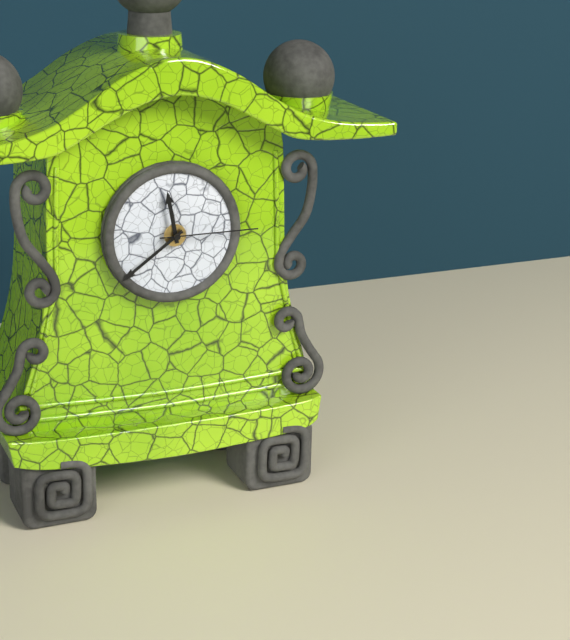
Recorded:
**11:39:15**
